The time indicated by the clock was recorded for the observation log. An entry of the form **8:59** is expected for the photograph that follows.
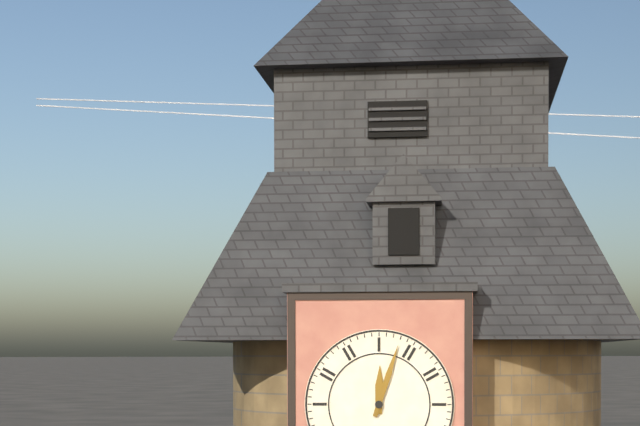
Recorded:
**12:03**
